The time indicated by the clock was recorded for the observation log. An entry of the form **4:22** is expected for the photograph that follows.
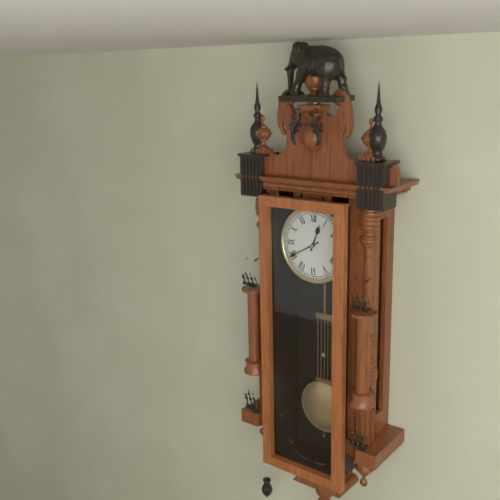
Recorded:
**12:40**
